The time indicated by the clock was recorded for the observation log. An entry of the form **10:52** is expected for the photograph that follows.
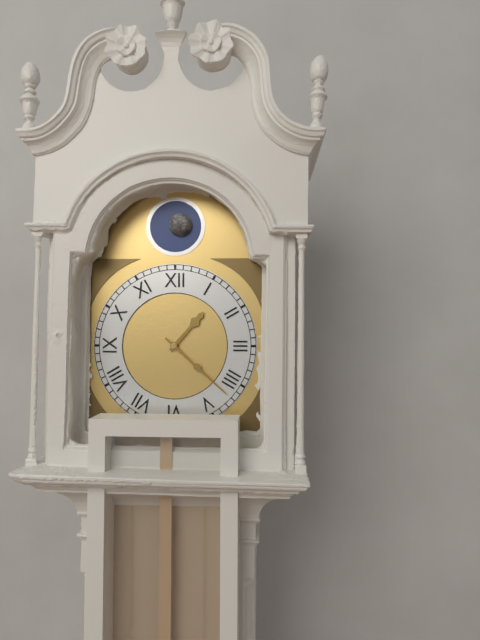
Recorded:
**1:22**
